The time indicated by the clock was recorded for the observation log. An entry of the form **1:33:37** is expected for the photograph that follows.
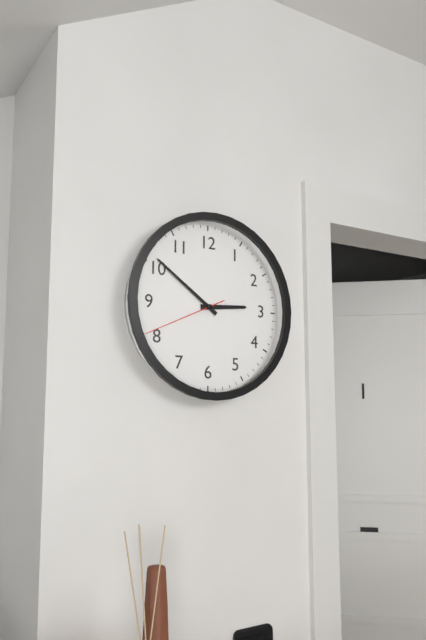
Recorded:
**2:51:41**
